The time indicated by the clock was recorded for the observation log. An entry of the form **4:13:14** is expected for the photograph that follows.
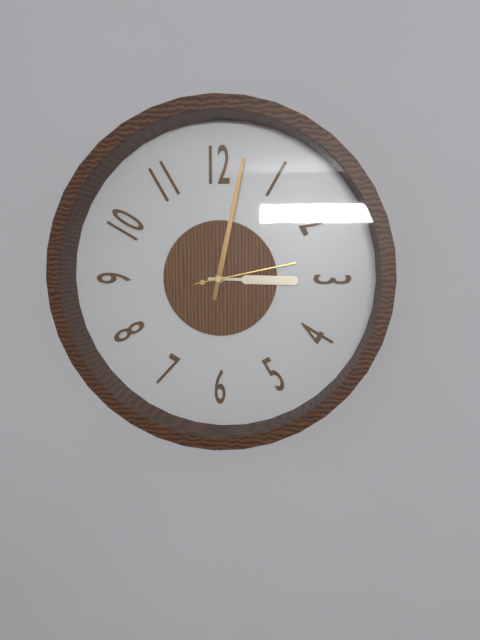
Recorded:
**3:02:13**
